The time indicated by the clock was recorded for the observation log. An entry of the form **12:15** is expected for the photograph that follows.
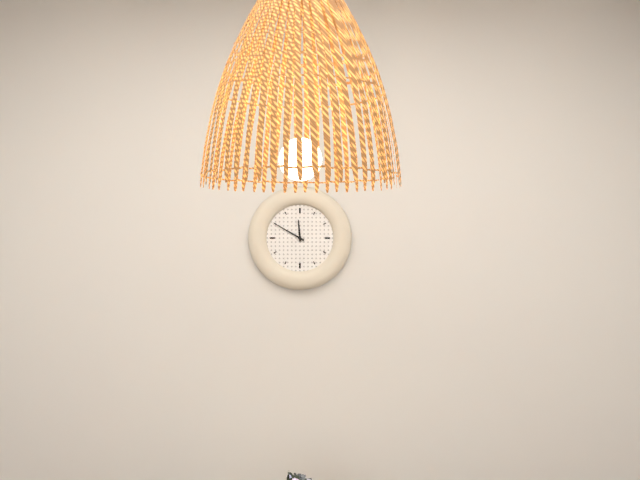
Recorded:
**11:50**
